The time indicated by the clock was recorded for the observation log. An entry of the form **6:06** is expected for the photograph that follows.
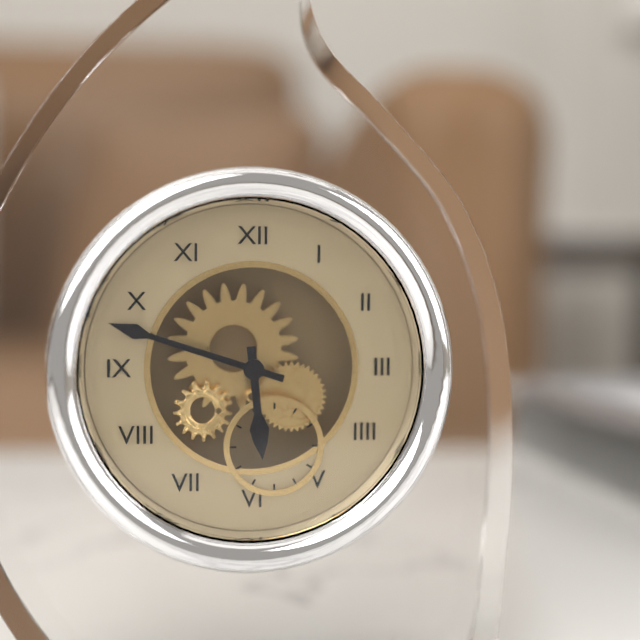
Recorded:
**5:48**
